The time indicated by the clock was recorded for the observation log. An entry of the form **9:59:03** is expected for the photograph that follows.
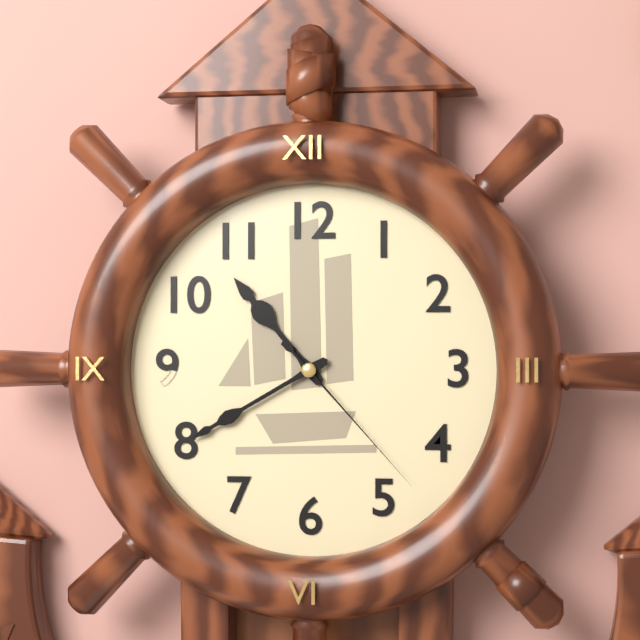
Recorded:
**10:40:23**
